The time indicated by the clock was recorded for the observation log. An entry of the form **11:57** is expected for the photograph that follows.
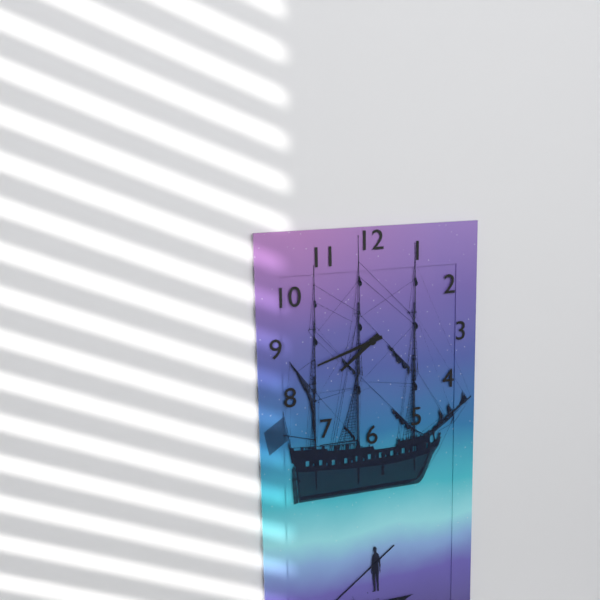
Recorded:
**7:42**
